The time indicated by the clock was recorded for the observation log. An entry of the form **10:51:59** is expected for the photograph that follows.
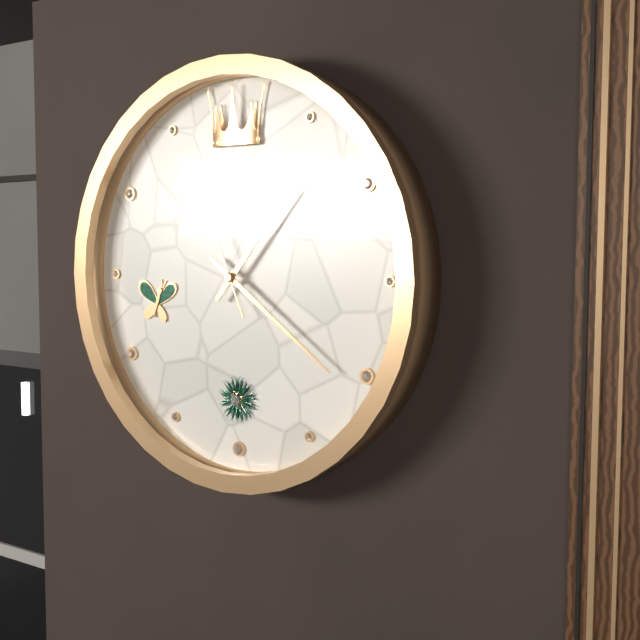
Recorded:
**1:21:56**
